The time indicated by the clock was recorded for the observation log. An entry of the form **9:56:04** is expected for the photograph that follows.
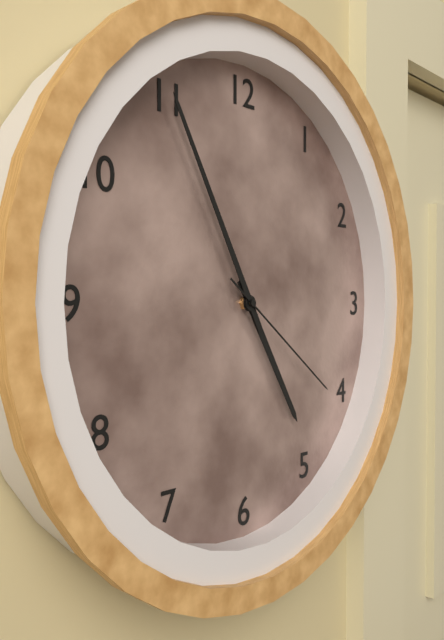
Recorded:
**4:55:21**
